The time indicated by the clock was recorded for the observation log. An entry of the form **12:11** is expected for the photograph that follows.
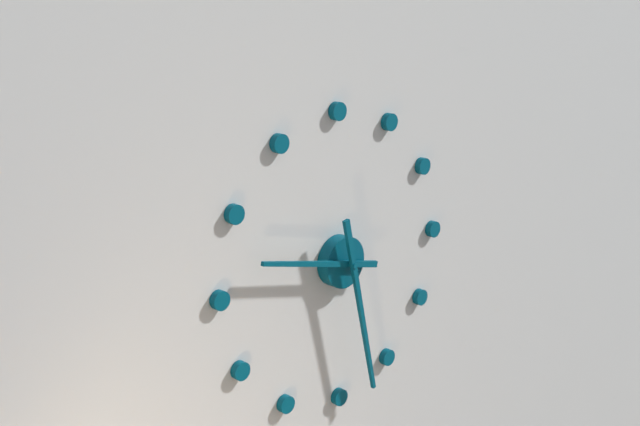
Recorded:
**9:28**
